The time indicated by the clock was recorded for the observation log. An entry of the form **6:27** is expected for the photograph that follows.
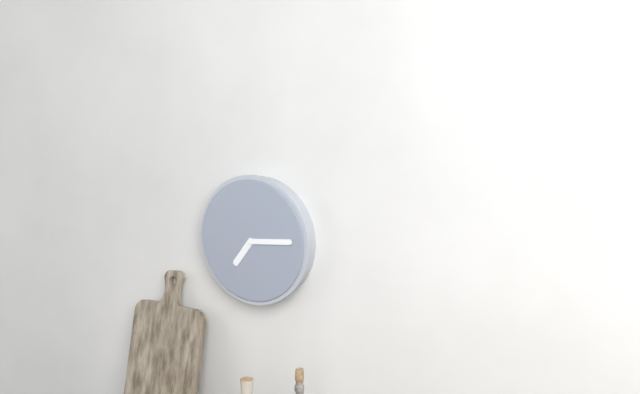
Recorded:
**7:14**
